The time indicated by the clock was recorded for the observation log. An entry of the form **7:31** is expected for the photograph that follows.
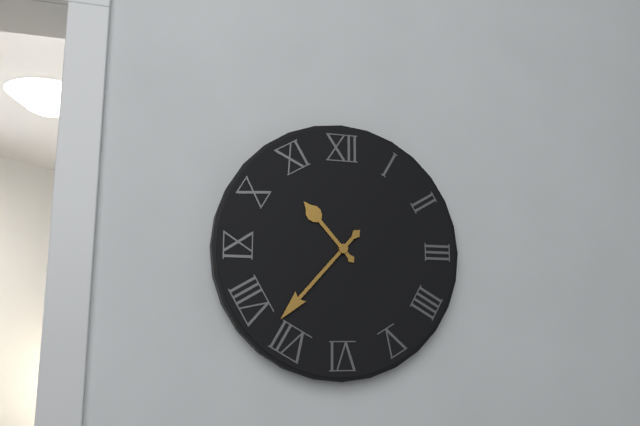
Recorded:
**10:37**
